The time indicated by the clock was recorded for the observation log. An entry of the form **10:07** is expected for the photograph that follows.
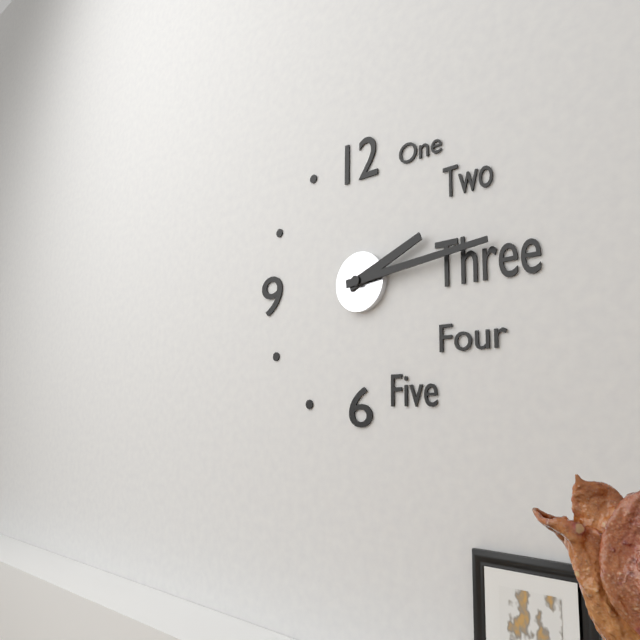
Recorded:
**2:14**
